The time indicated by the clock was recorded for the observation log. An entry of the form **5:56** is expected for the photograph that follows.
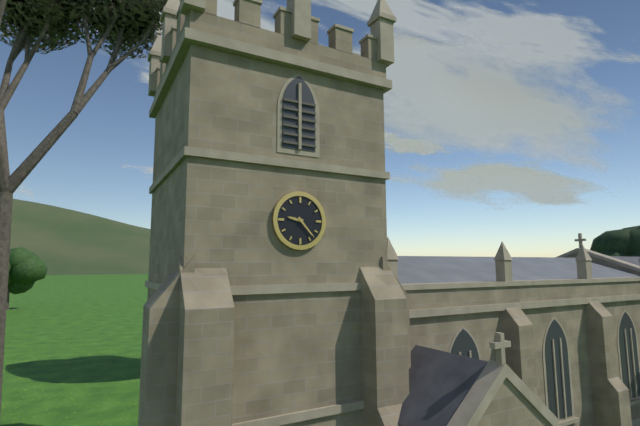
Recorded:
**9:23**
